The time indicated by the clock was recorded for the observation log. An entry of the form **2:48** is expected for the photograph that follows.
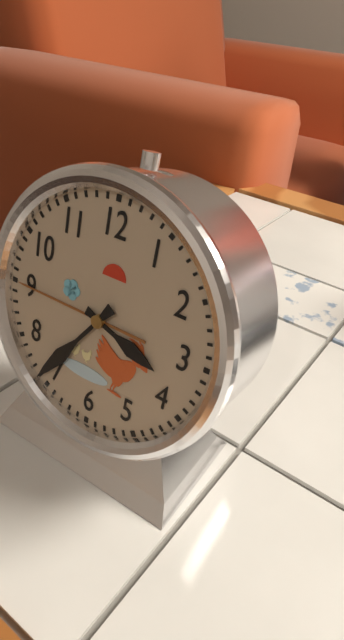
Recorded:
**3:36**
